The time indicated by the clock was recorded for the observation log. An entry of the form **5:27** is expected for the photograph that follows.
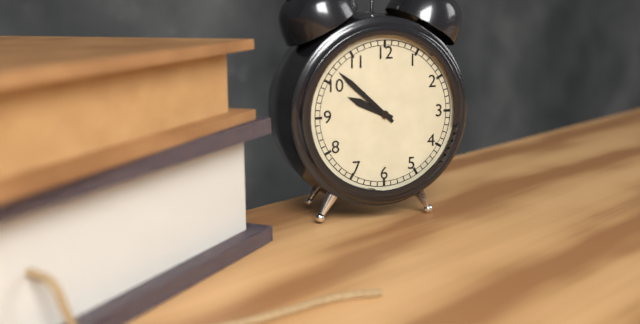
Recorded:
**9:52**
